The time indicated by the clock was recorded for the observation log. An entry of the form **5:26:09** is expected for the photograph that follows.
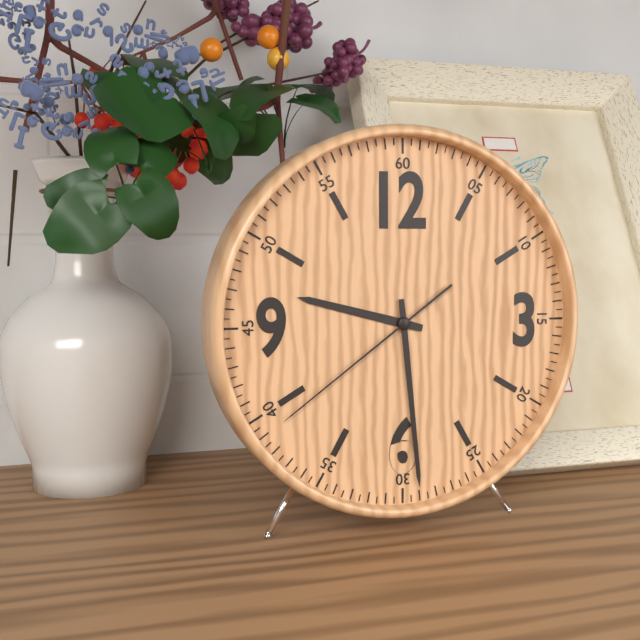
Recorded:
**9:29:39**
